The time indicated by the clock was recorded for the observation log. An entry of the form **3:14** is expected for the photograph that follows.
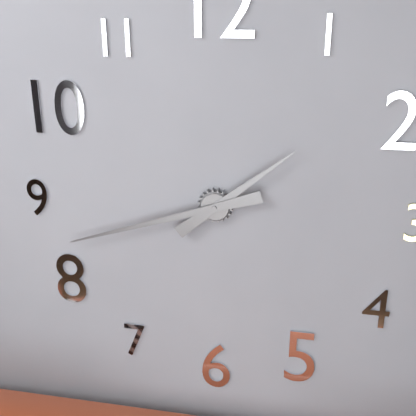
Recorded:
**1:42**
